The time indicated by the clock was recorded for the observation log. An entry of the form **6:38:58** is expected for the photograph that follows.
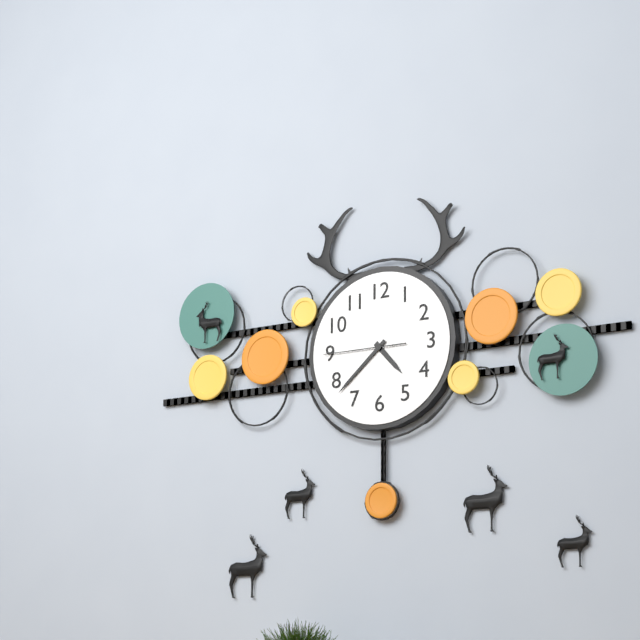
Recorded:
**4:38:45**
